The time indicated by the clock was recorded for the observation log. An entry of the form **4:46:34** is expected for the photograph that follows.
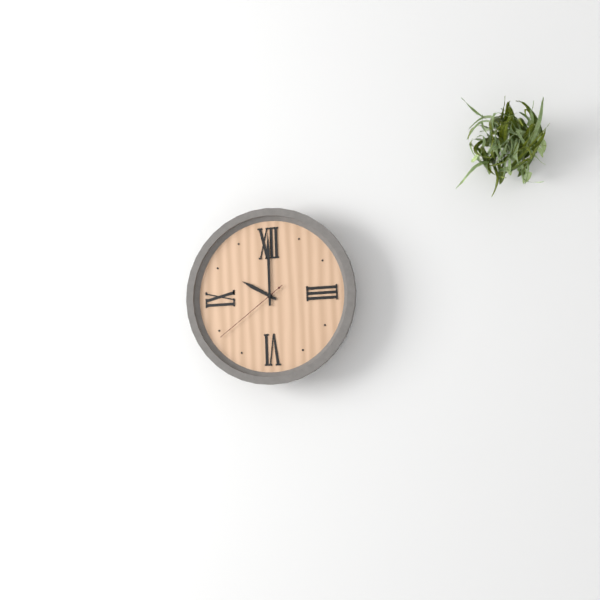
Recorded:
**10:00:39**
